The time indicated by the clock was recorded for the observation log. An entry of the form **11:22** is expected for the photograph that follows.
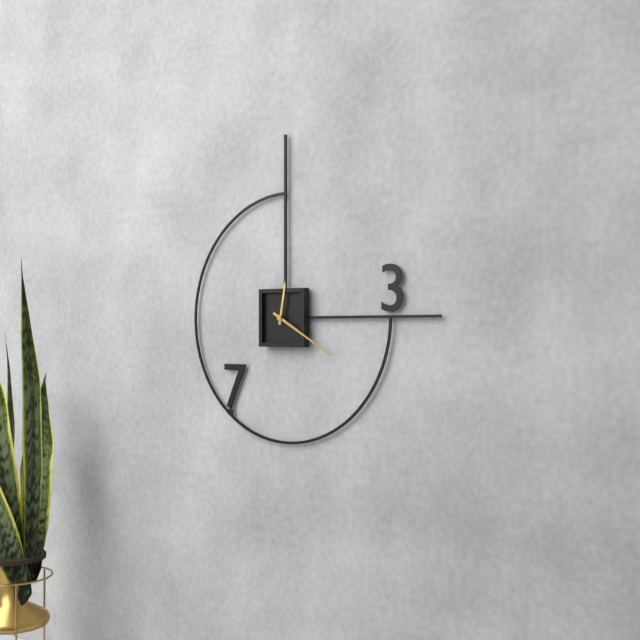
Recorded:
**12:20**
